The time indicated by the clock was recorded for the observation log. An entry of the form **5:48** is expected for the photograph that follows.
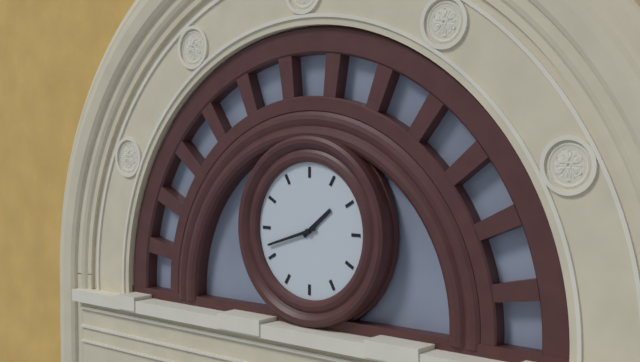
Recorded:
**1:42**
